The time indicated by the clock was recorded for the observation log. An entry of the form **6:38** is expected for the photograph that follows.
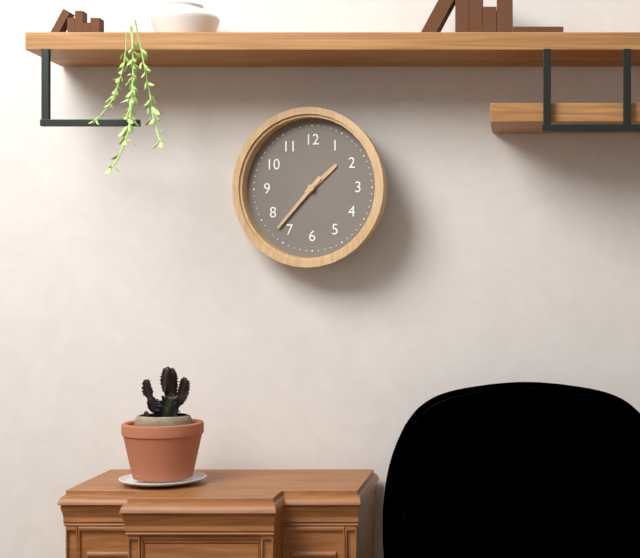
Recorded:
**1:37**
